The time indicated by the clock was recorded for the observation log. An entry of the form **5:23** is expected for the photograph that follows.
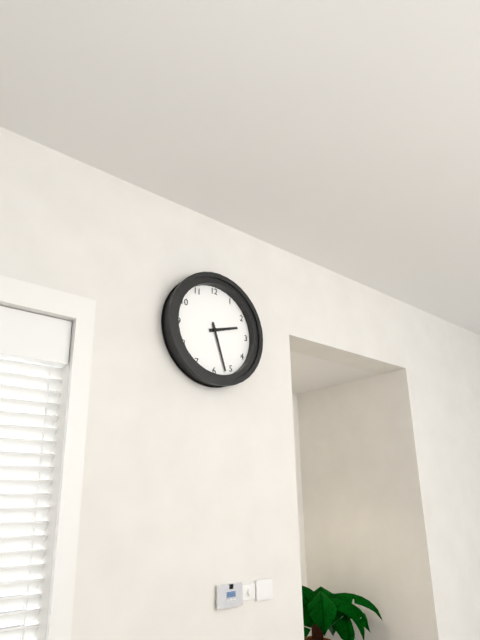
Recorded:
**2:27**
